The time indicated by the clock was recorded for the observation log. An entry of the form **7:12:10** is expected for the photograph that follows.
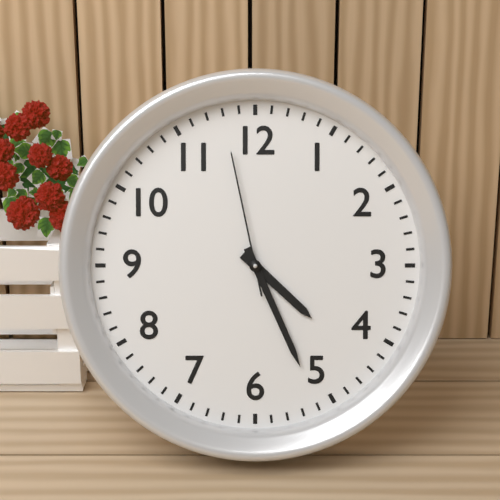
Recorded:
**4:26:58**
